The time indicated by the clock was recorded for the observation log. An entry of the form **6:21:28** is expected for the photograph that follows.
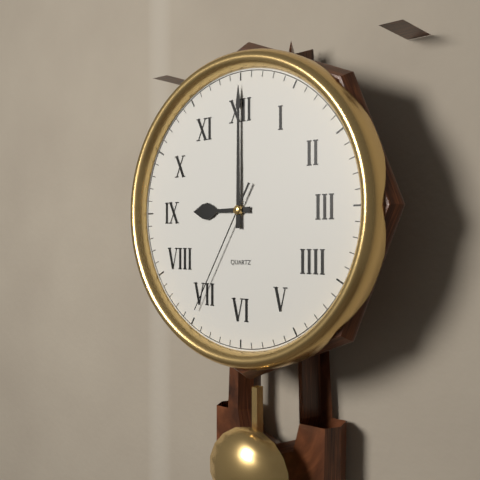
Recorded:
**9:00:35**
